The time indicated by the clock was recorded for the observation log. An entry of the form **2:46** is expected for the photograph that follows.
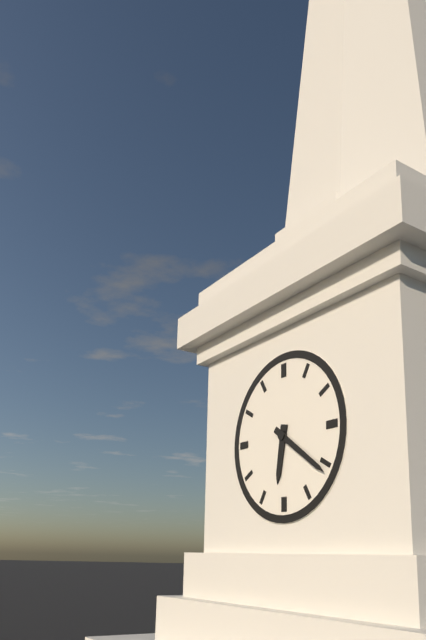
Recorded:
**6:21**
